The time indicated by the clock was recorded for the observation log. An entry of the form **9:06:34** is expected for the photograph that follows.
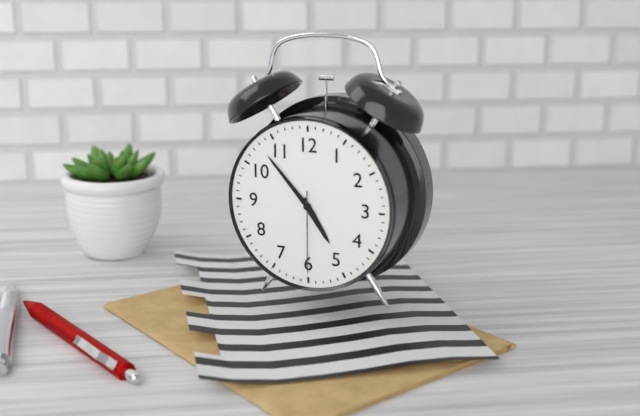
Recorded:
**4:53:30**
